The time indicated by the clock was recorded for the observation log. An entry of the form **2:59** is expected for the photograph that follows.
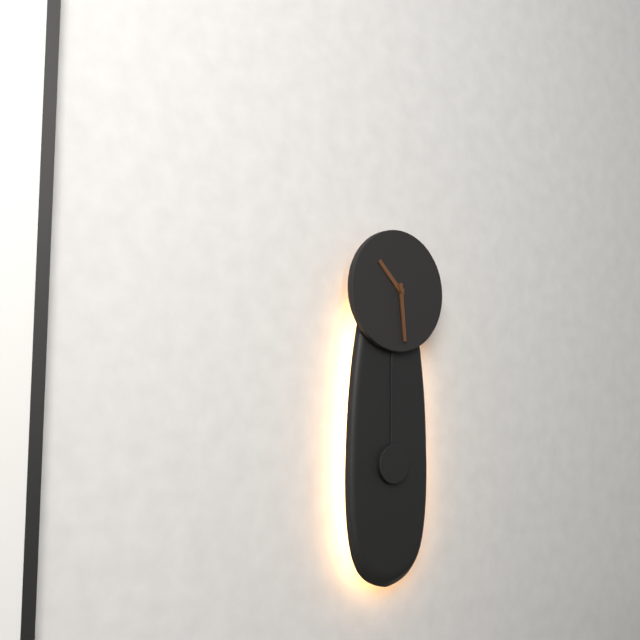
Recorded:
**10:29**
